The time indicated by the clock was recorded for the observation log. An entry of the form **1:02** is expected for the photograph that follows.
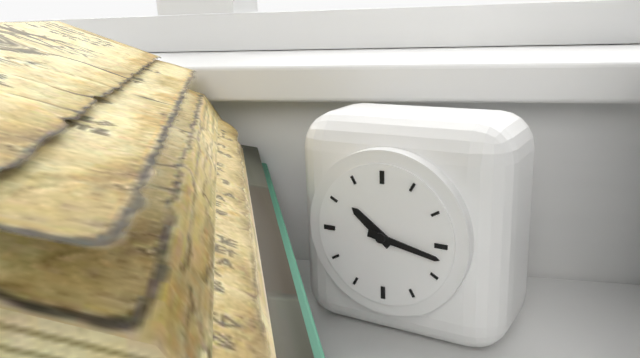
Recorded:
**10:17**
